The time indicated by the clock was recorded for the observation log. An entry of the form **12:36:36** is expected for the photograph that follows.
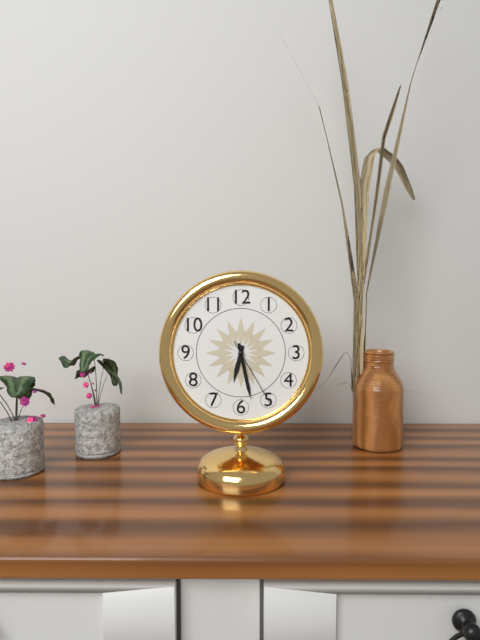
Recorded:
**6:28:25**
